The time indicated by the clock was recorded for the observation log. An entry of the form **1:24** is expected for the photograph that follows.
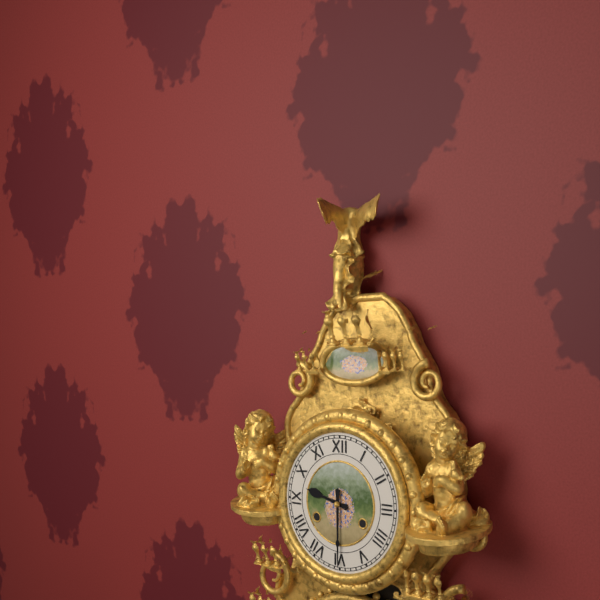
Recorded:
**9:30**
